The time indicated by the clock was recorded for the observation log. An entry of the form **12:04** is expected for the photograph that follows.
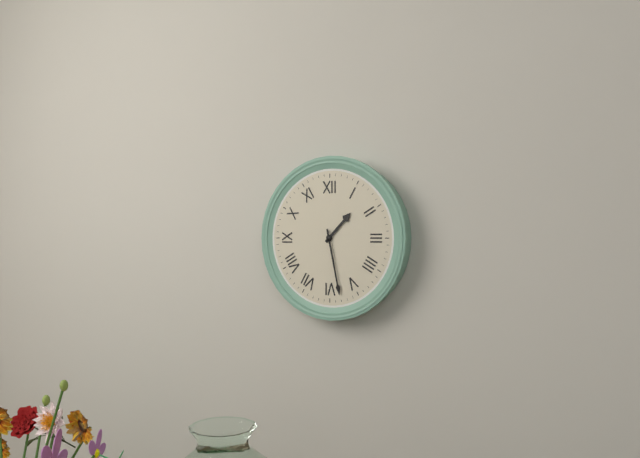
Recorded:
**1:28**
